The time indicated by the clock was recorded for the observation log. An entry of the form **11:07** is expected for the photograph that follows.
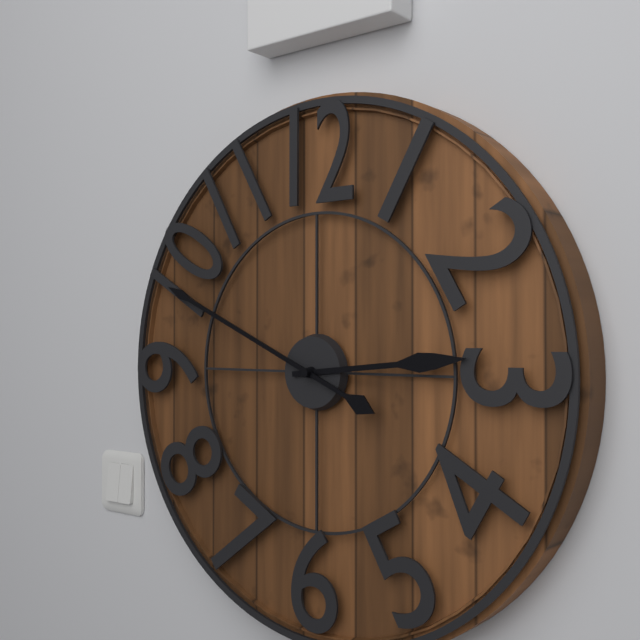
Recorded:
**2:49**
